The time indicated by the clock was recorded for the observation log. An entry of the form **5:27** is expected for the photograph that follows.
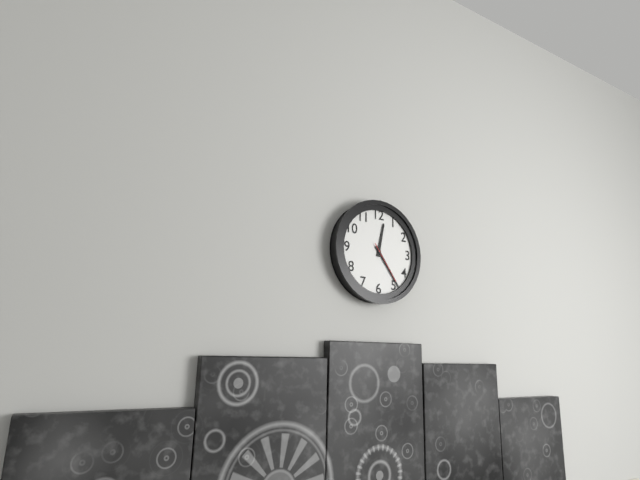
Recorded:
**12:24**
